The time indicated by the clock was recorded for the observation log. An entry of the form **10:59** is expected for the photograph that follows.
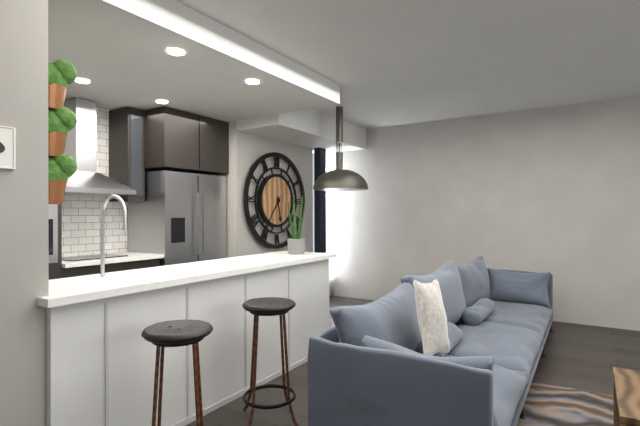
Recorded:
**5:36**
